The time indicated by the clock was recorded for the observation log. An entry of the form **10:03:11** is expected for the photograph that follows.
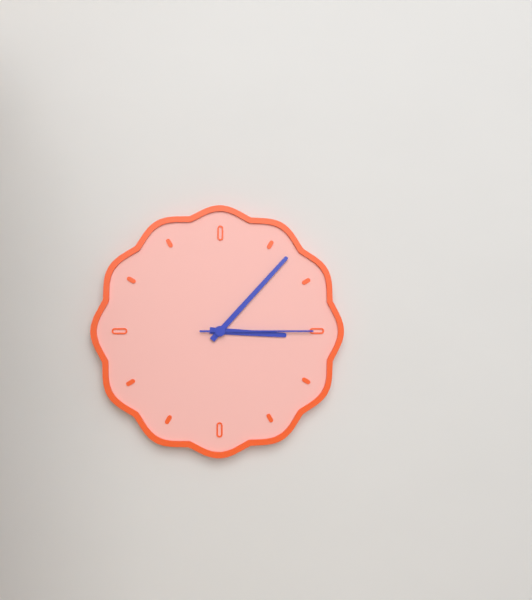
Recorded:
**3:07:15**
